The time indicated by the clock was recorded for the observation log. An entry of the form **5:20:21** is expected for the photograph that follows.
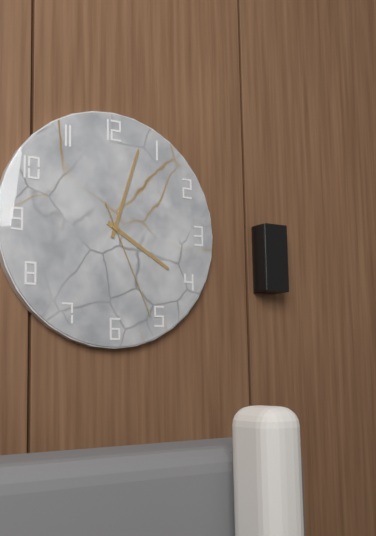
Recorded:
**4:03:26**
